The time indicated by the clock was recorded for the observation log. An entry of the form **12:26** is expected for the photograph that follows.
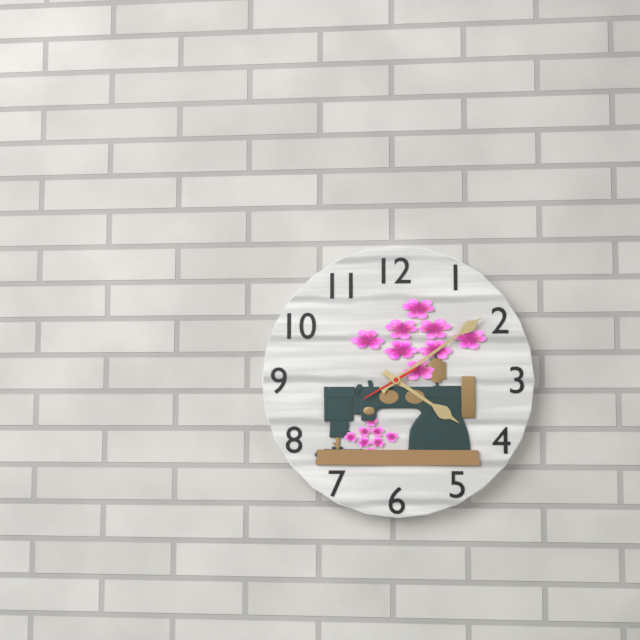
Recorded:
**4:09**
